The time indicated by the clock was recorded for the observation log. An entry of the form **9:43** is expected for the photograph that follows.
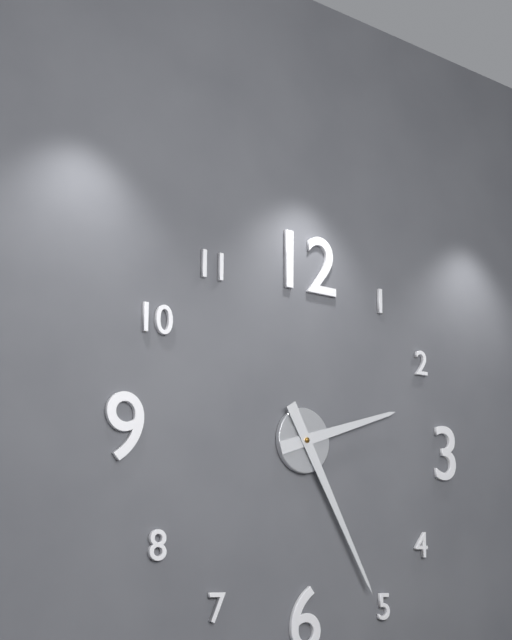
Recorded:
**2:25**
